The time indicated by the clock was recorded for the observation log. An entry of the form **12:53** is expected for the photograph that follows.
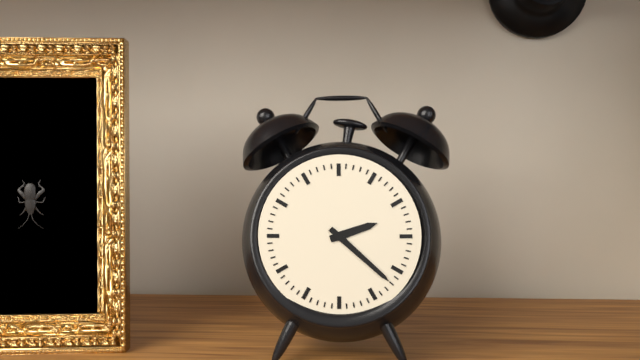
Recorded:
**2:22**
